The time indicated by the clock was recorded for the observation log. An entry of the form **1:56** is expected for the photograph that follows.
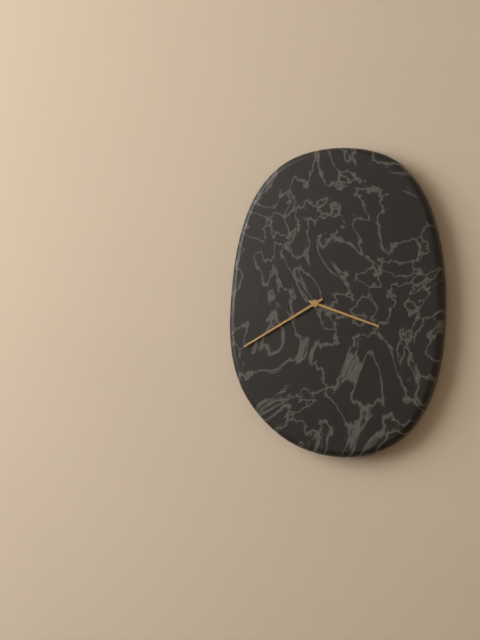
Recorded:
**3:40**
